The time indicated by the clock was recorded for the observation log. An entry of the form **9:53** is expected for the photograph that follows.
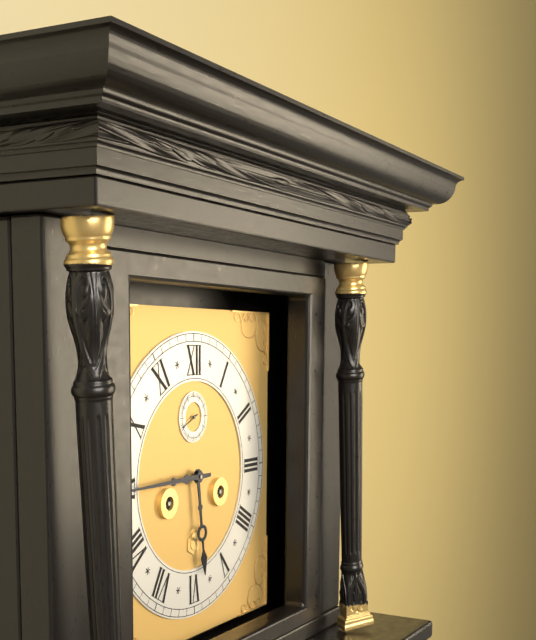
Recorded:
**5:45**
